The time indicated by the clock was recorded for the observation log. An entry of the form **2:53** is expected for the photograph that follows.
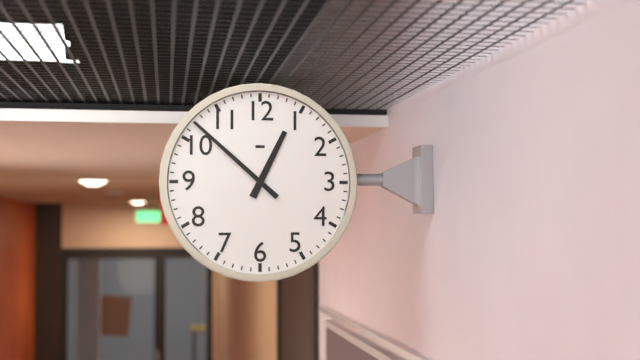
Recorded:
**12:52**
